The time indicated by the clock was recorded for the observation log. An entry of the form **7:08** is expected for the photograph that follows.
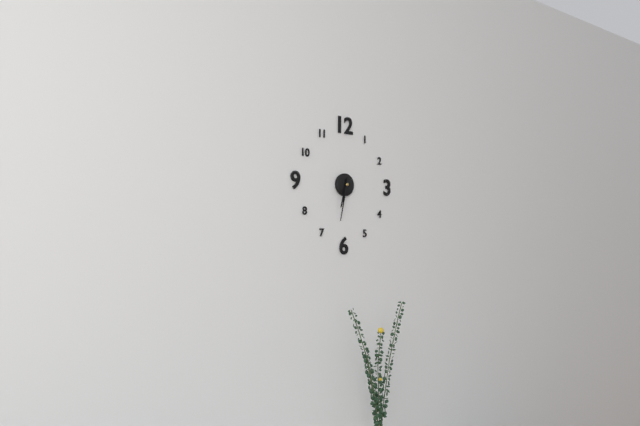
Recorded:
**6:32**
